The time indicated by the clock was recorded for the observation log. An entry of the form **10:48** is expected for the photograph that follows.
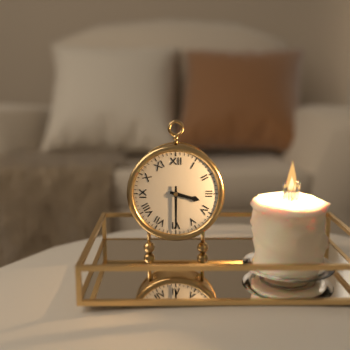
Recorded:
**3:30**
